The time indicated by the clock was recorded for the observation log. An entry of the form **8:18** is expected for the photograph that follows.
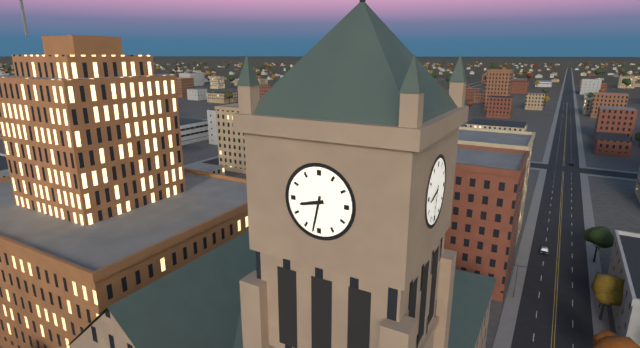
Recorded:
**8:32**
